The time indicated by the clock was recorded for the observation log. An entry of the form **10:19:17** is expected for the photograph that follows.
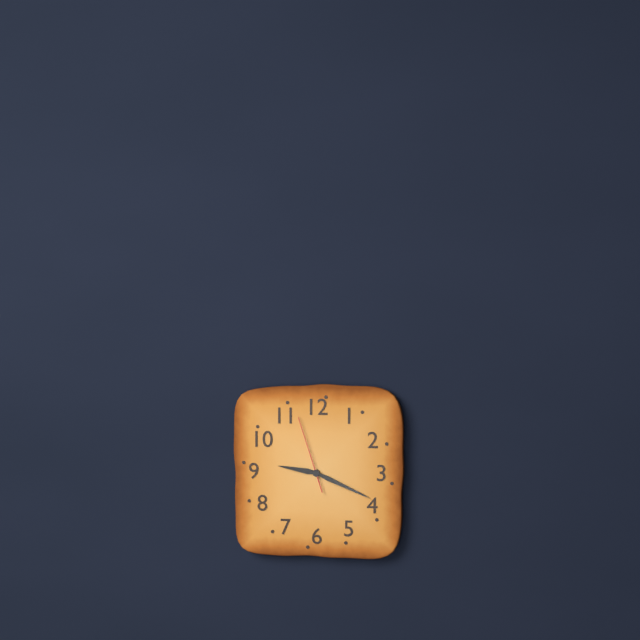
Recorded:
**9:19:57**
